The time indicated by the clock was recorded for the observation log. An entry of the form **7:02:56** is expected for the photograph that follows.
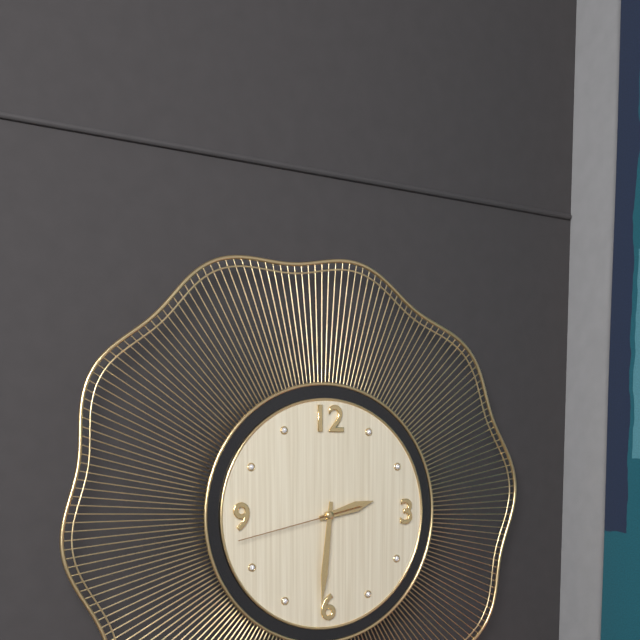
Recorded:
**2:31:43**
